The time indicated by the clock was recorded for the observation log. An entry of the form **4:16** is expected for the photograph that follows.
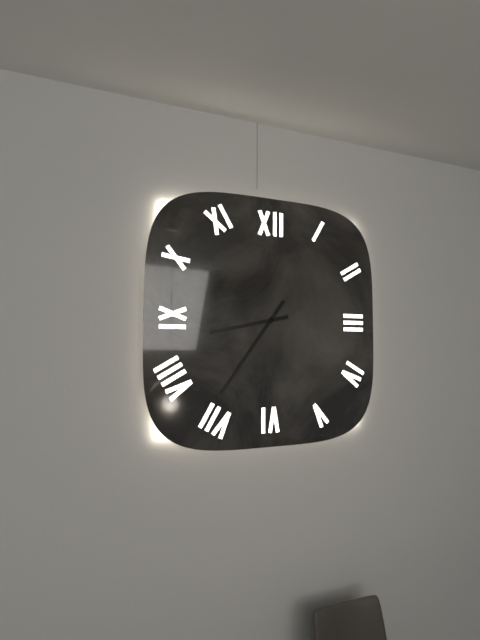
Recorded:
**8:36**
